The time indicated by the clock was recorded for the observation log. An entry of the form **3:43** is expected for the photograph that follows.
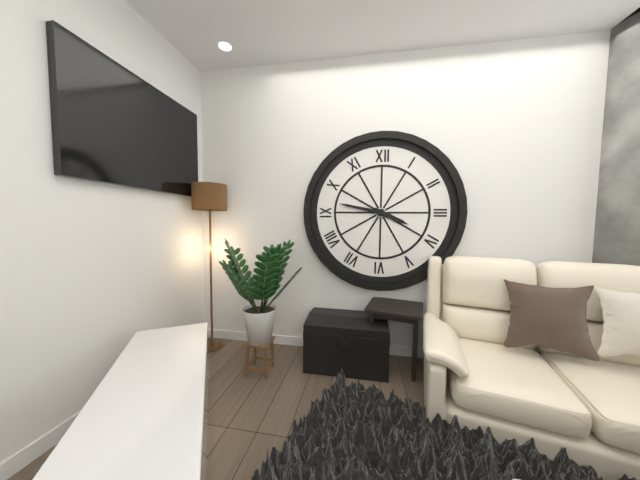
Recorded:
**3:47**
